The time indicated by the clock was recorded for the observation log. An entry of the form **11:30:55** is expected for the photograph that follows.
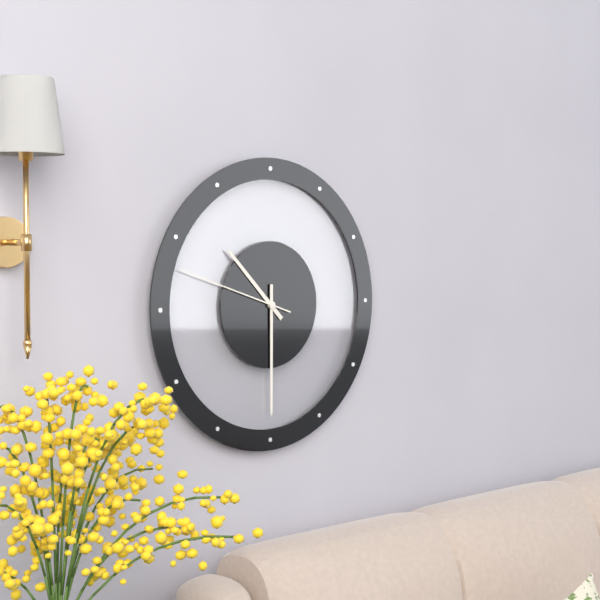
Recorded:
**10:30:48**
